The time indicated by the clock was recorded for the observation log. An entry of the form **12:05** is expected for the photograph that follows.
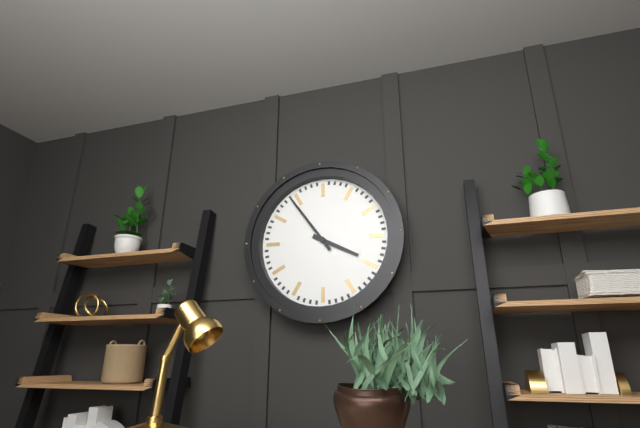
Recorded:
**3:54**
